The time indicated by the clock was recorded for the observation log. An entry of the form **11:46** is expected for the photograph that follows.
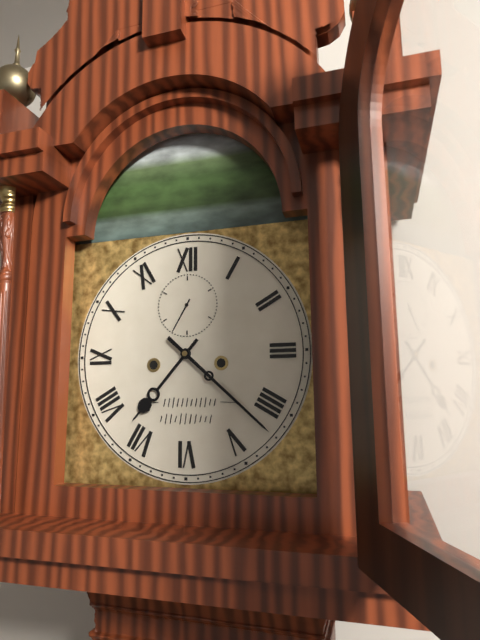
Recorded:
**7:22**
